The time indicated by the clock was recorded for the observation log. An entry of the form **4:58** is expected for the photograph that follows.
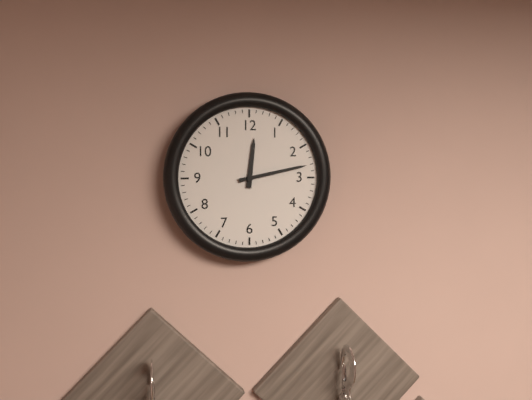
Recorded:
**12:13**
